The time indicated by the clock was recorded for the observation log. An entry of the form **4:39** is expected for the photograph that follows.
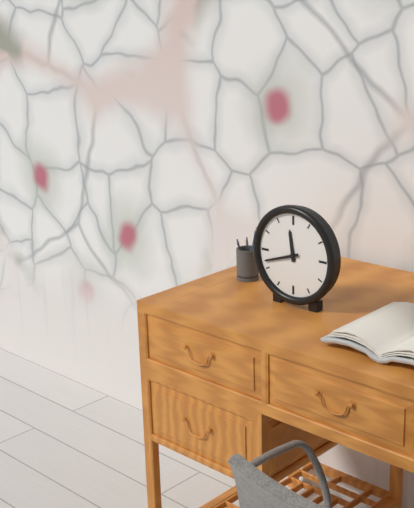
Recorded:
**11:42**
